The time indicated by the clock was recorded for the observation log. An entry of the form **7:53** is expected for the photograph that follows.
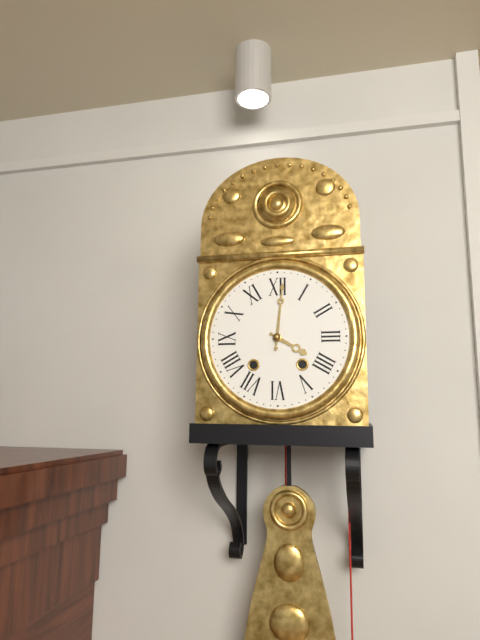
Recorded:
**4:01**
